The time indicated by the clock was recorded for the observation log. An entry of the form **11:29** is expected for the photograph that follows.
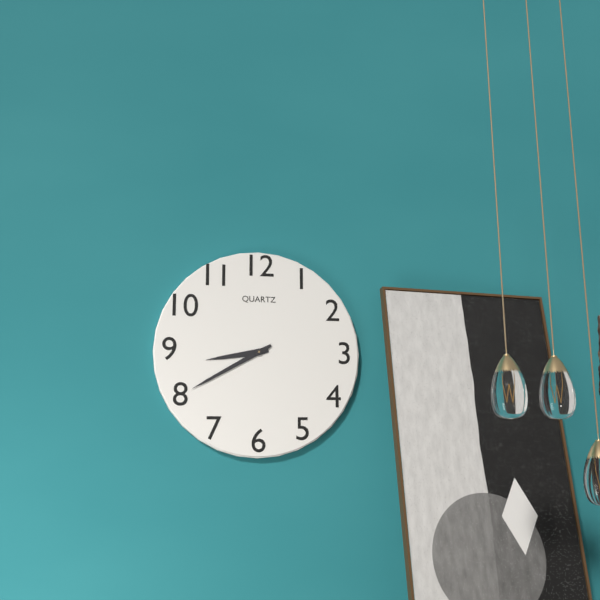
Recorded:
**8:40**
